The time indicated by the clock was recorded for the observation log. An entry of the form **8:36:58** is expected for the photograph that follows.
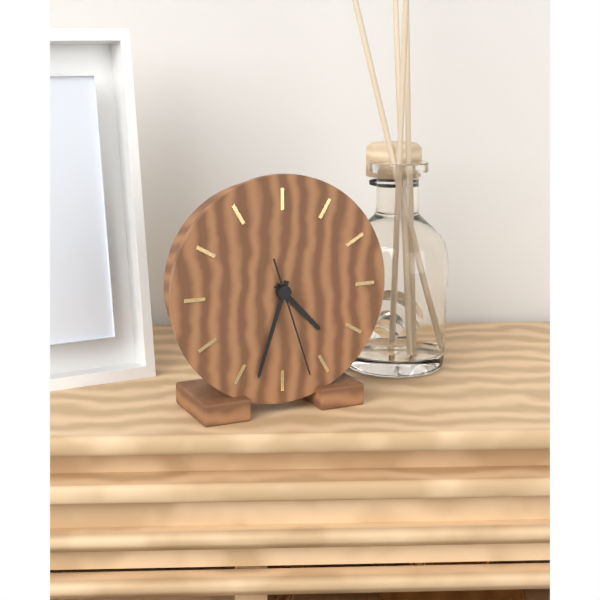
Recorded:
**4:33:27**
